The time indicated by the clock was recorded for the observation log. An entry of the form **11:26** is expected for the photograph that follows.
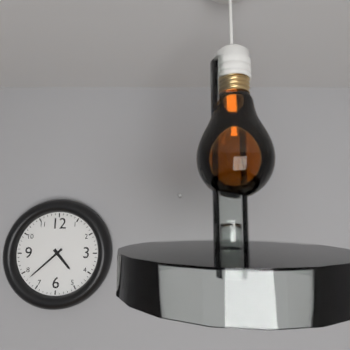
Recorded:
**4:38**
